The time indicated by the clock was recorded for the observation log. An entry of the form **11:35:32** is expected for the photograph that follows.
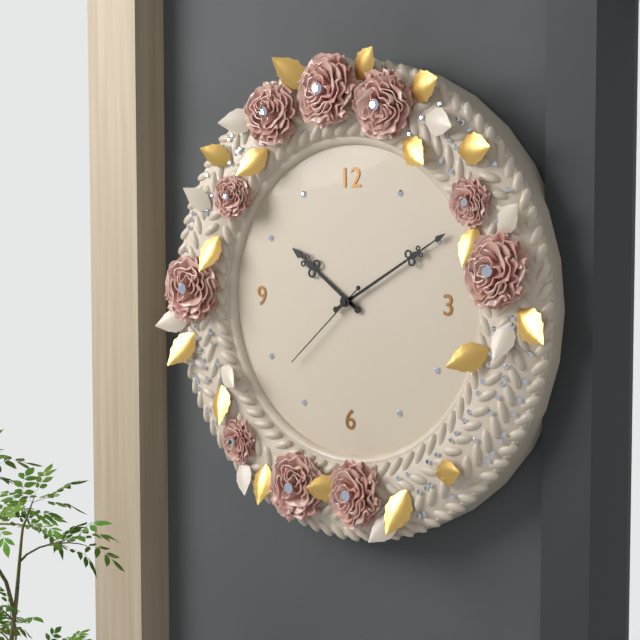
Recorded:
**10:10:38**
